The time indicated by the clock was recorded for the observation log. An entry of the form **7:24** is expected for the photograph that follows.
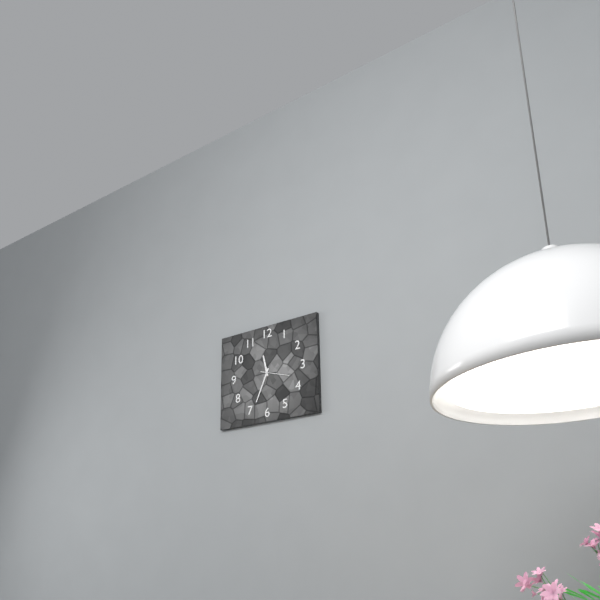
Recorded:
**11:34**
